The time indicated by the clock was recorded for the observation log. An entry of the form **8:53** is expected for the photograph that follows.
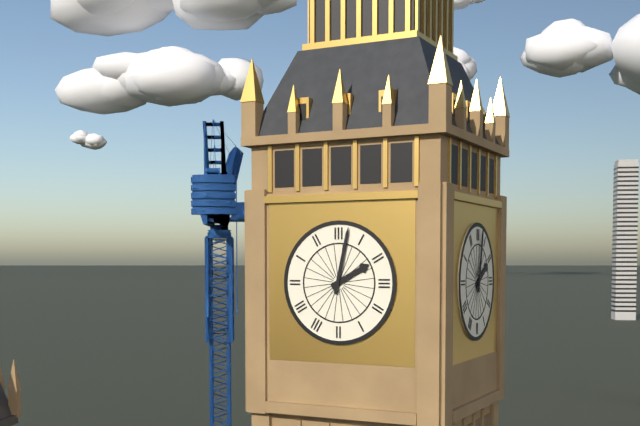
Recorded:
**2:02**
